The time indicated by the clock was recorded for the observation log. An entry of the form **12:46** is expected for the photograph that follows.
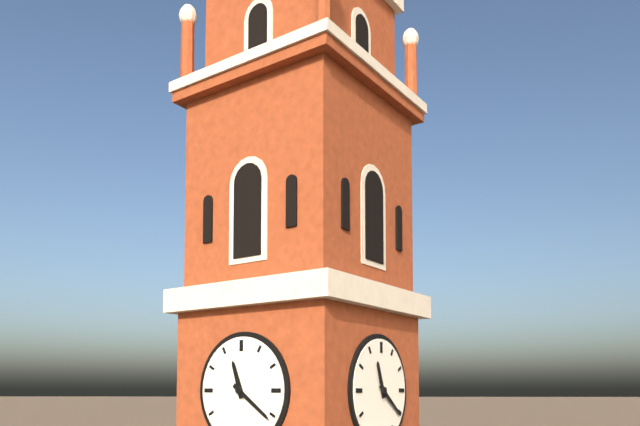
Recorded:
**11:21**
